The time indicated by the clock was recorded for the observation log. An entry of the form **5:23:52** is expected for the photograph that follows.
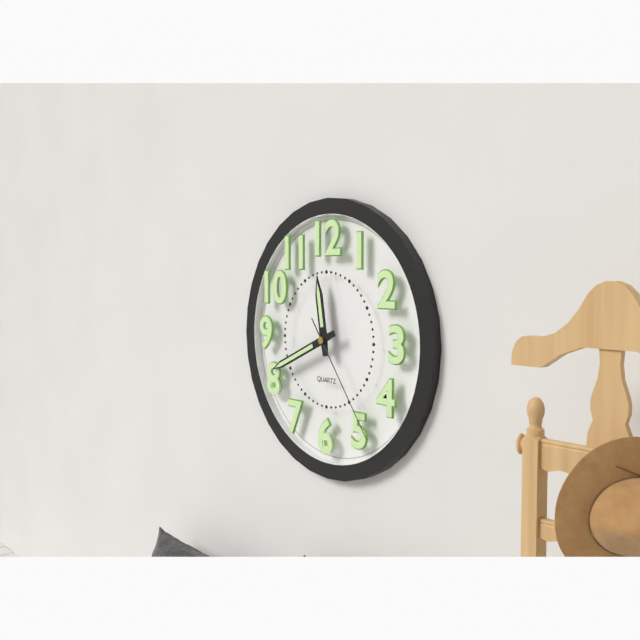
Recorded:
**11:41:24**
